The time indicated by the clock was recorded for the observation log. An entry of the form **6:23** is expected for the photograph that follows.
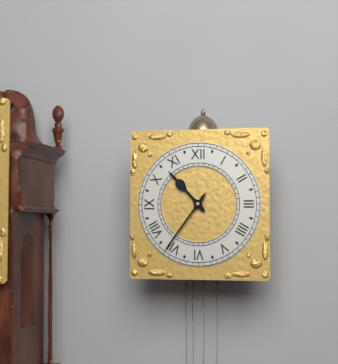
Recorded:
**10:36**
